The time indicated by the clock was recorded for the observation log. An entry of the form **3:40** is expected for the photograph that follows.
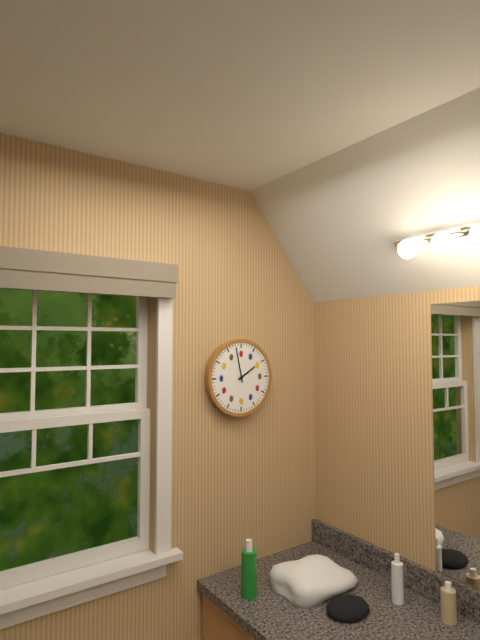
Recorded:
**1:58**
